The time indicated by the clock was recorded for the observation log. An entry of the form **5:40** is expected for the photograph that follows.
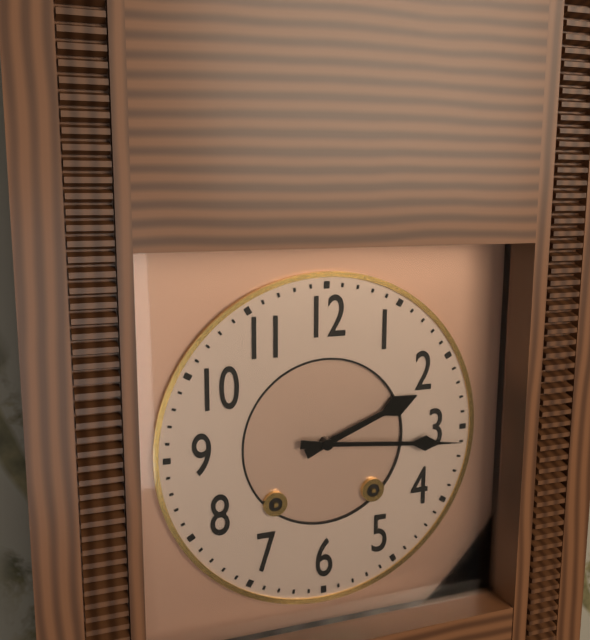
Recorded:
**2:16**
